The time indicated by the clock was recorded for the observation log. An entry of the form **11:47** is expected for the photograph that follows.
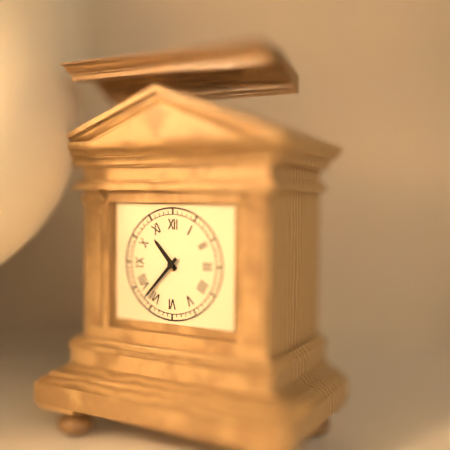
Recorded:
**10:37**
